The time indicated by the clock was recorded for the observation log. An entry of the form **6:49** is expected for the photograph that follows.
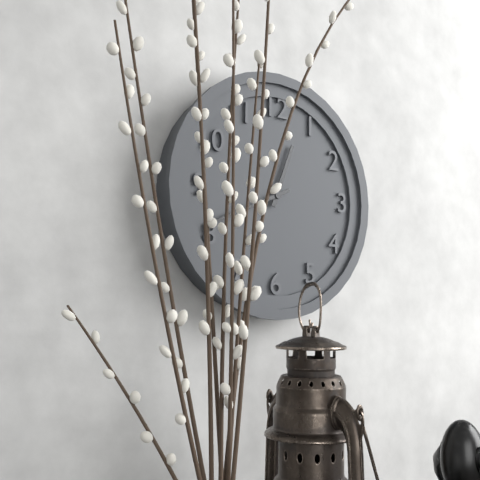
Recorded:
**12:41**
